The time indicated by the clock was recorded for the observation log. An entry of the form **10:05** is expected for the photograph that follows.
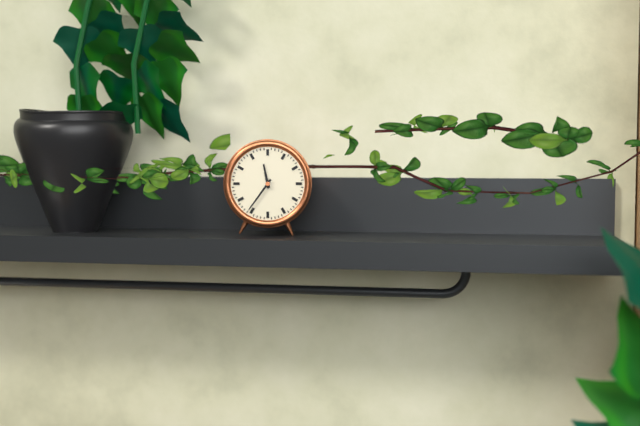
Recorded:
**11:36**
